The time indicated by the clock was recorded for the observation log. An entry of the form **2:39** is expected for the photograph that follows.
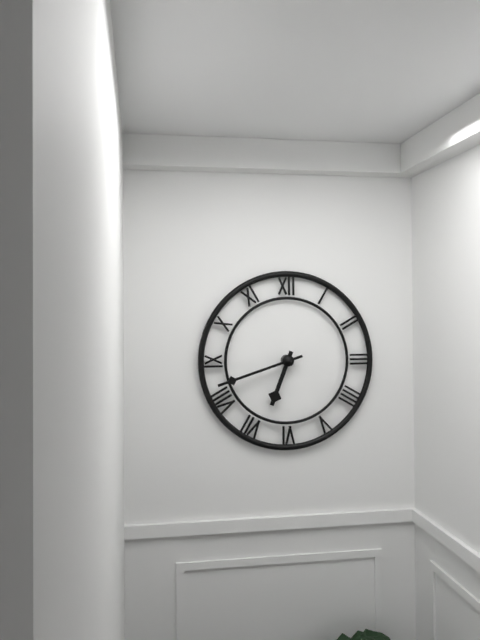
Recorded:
**6:42**
